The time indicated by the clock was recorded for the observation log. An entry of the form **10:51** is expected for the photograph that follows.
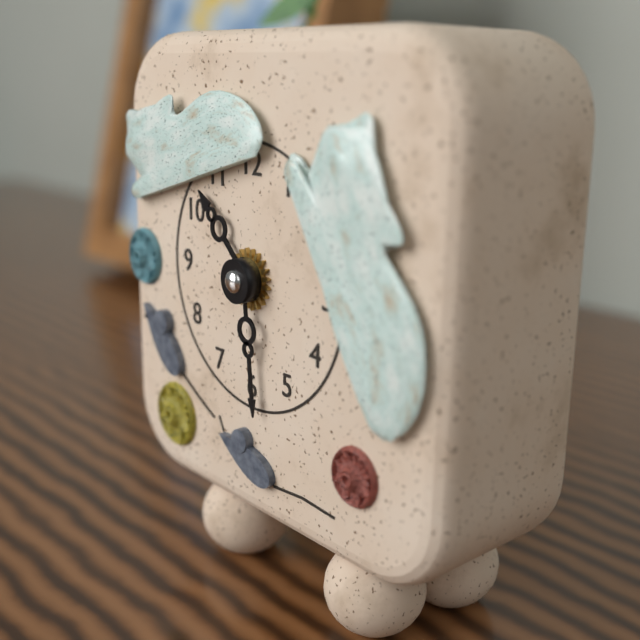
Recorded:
**10:29**
